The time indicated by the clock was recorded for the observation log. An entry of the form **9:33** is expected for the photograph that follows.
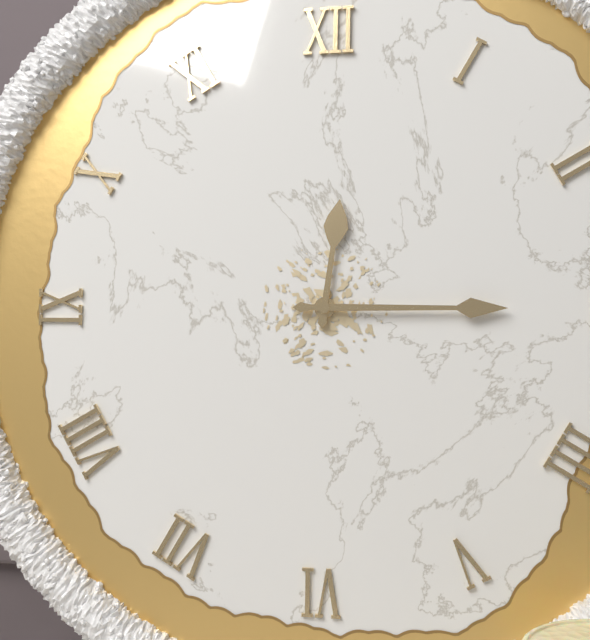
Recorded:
**12:15**
